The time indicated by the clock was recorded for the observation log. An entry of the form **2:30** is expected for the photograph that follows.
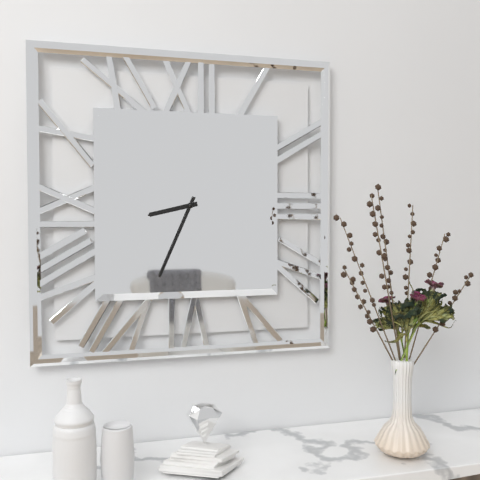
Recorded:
**8:34**
